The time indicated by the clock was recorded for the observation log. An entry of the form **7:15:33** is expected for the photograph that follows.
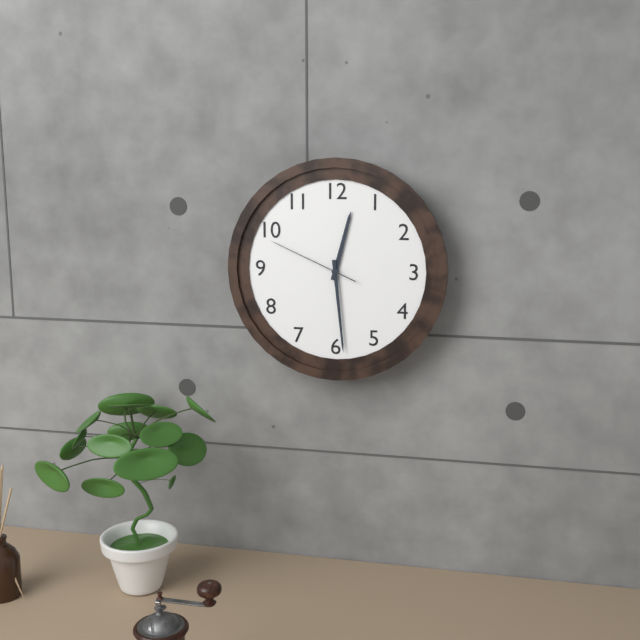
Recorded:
**12:29:49**
